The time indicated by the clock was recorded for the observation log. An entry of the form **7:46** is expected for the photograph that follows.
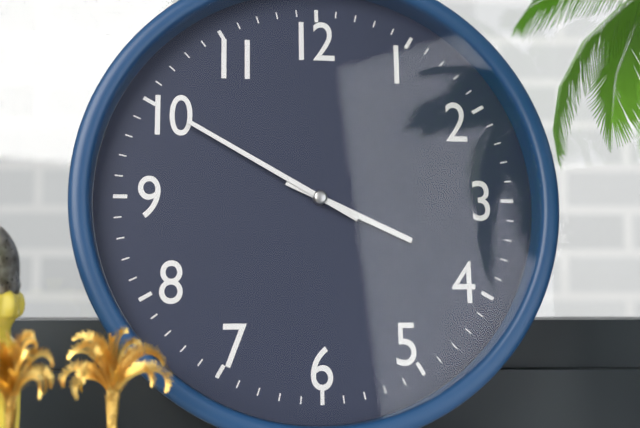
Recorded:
**3:50**
